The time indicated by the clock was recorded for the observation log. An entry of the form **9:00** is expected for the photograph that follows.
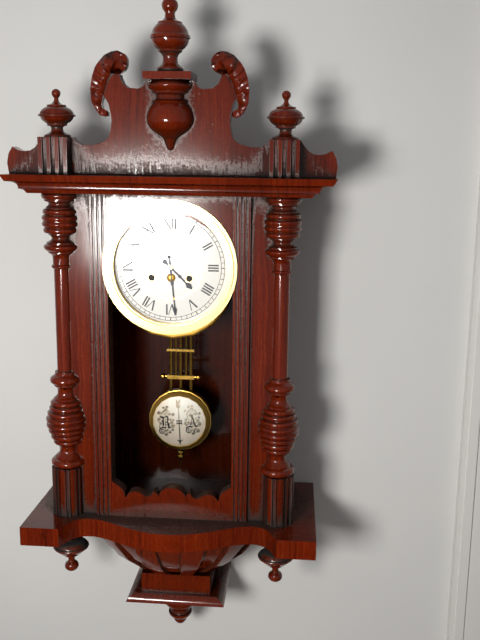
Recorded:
**4:29**
